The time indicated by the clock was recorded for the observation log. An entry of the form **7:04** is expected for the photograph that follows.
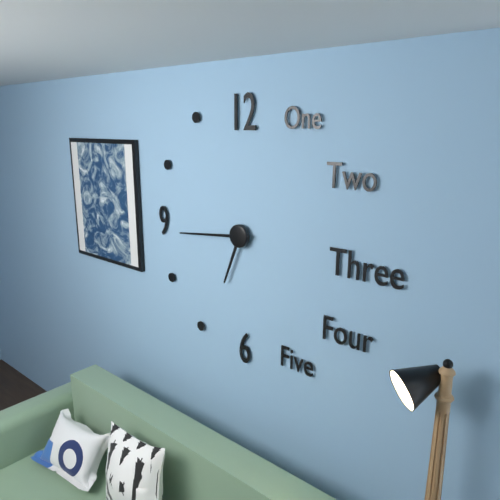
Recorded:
**6:44**
